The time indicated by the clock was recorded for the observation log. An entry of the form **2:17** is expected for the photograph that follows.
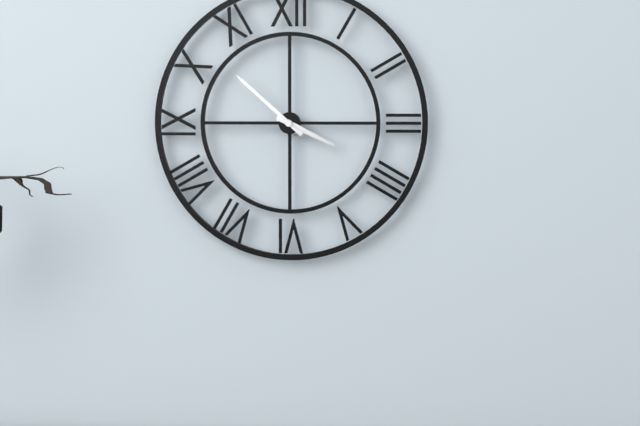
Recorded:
**3:52**
